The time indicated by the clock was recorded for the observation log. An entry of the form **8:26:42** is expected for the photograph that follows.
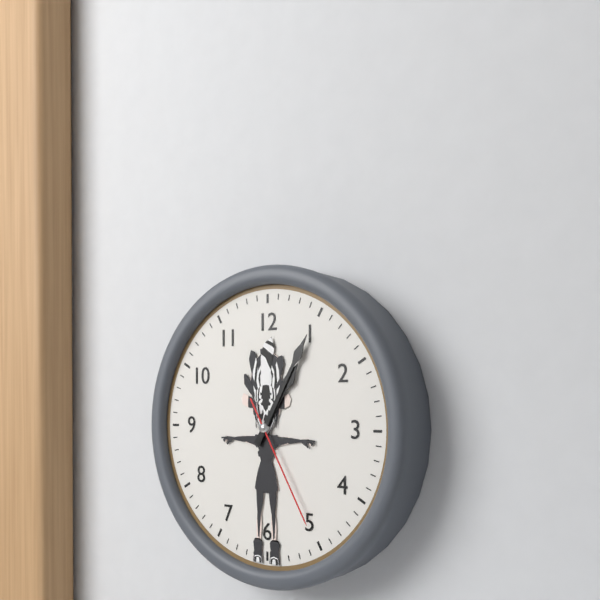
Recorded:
**1:05:25**
